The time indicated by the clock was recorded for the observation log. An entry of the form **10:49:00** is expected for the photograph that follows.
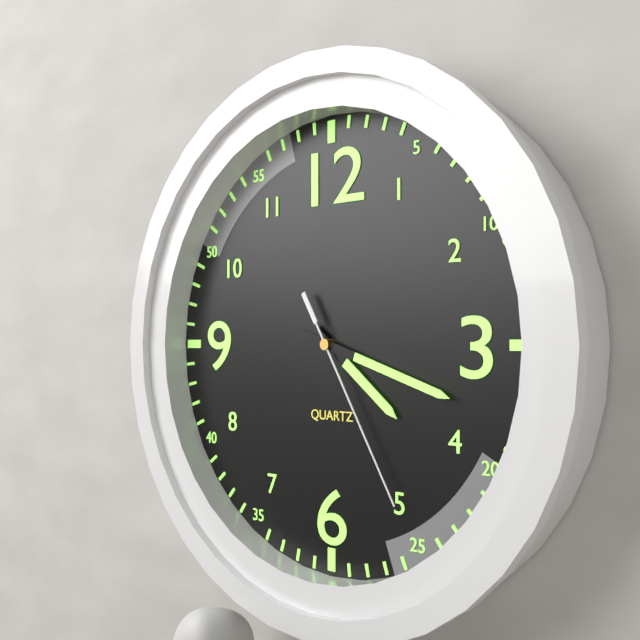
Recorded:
**4:18:25**
